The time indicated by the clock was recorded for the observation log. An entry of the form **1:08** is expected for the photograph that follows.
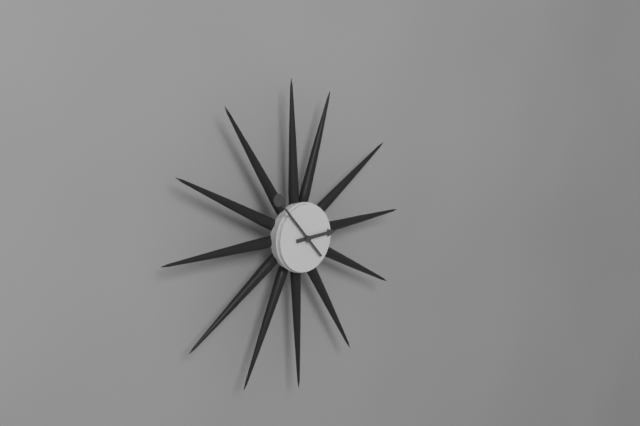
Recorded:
**2:53**
